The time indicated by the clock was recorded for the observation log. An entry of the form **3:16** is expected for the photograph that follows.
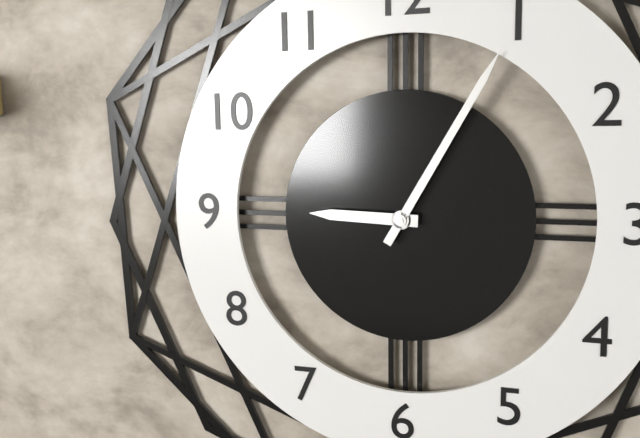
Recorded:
**9:05**
